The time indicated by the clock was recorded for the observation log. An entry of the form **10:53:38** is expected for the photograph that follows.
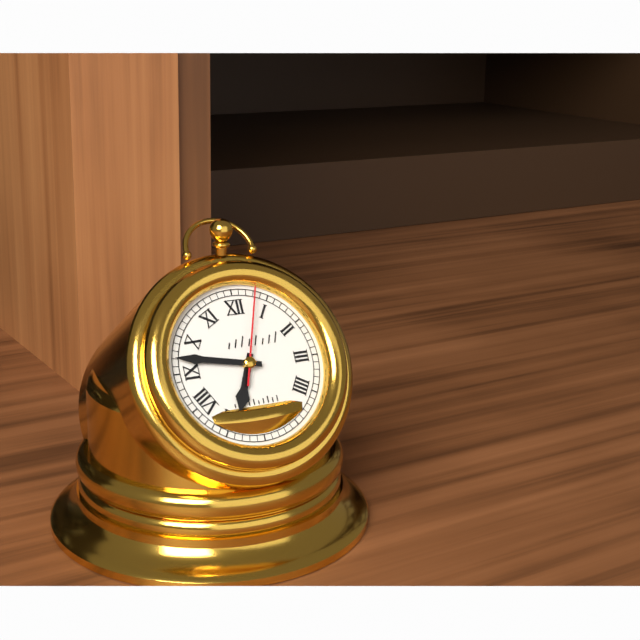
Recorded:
**6:47:03**
